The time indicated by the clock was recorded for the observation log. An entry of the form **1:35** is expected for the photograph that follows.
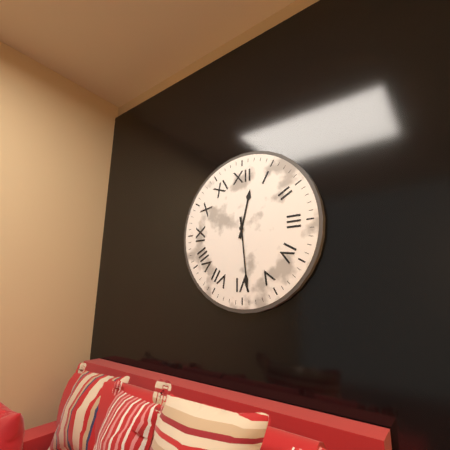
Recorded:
**12:29**
